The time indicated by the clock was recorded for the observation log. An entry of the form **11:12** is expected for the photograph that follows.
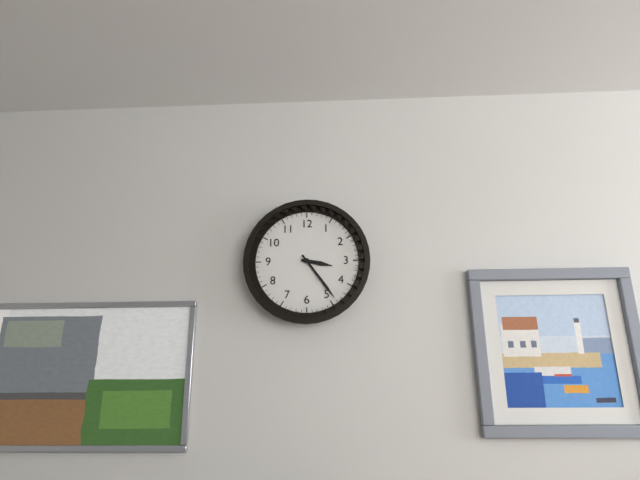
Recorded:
**3:24**
